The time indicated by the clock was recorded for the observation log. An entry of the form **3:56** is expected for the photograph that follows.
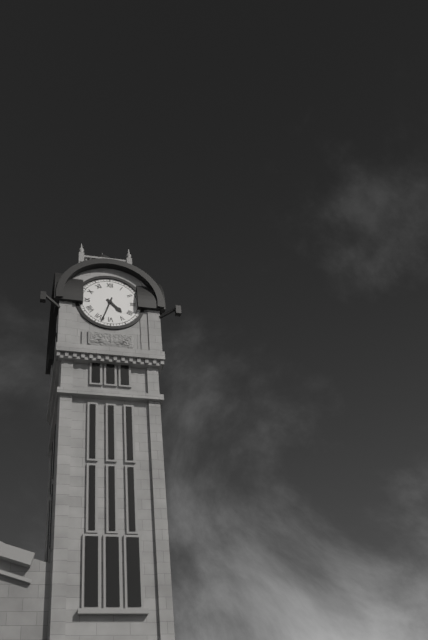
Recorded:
**4:33**
